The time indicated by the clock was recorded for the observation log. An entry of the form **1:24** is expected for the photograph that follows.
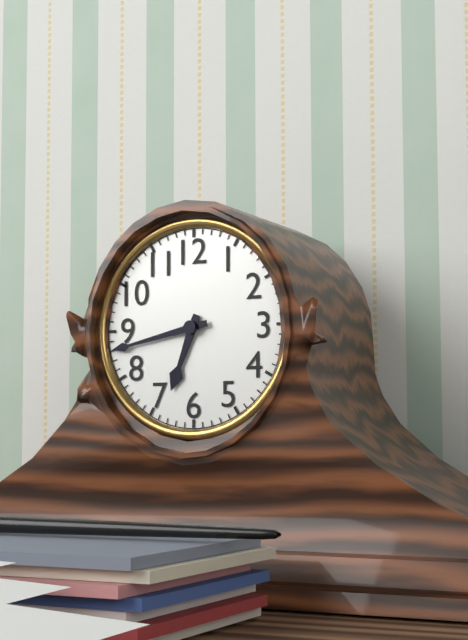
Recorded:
**6:43**
